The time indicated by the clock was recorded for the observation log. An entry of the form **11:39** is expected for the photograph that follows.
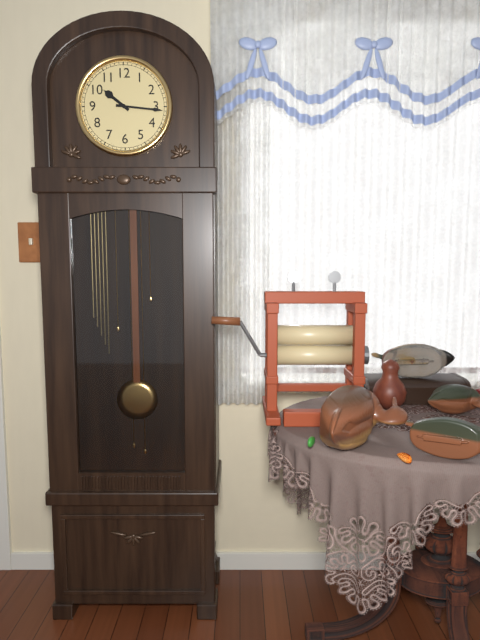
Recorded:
**10:16**
